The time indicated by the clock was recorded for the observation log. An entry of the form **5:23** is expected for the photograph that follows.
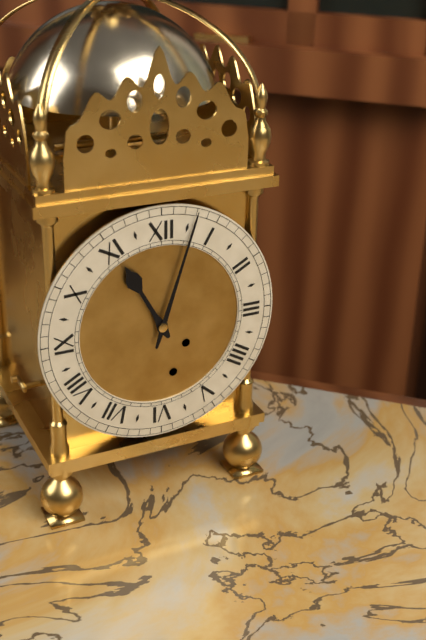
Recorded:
**11:03**
